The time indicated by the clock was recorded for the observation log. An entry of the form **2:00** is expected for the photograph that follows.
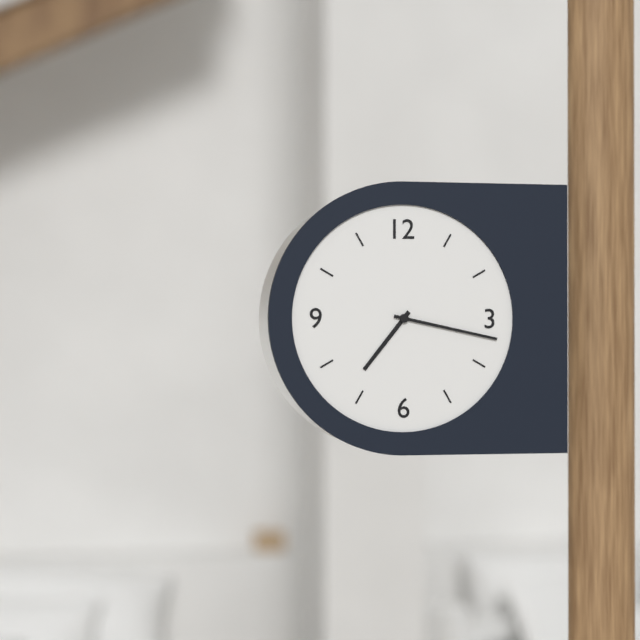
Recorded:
**7:17**
